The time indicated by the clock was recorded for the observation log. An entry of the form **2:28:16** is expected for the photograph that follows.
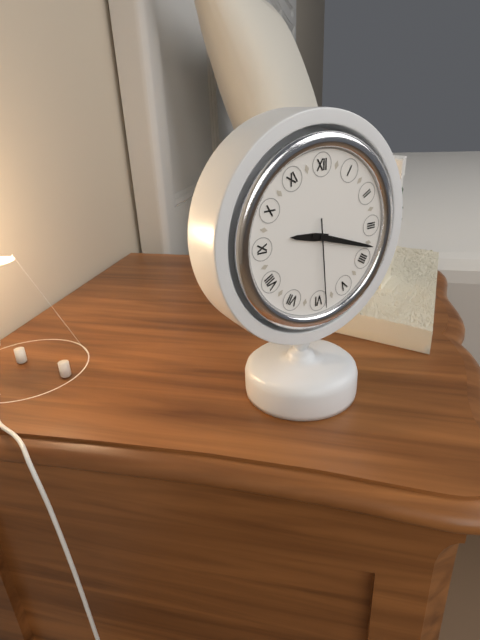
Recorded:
**9:18:29**
